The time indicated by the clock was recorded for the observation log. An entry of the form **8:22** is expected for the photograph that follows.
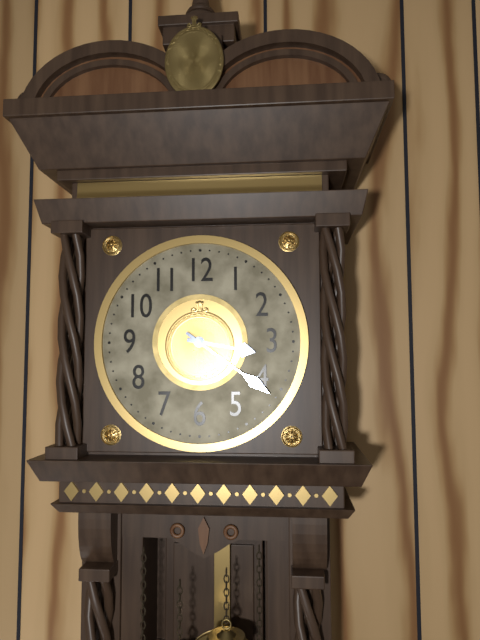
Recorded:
**3:21**
